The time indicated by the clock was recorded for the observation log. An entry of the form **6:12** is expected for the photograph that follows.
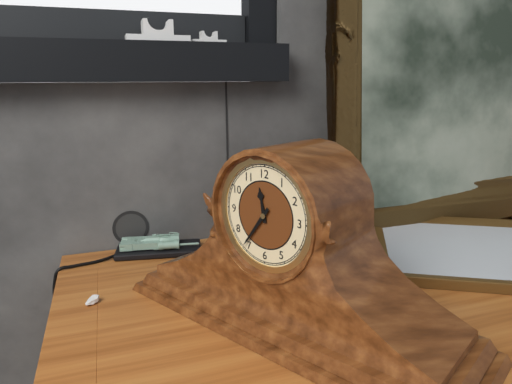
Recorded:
**11:36**
